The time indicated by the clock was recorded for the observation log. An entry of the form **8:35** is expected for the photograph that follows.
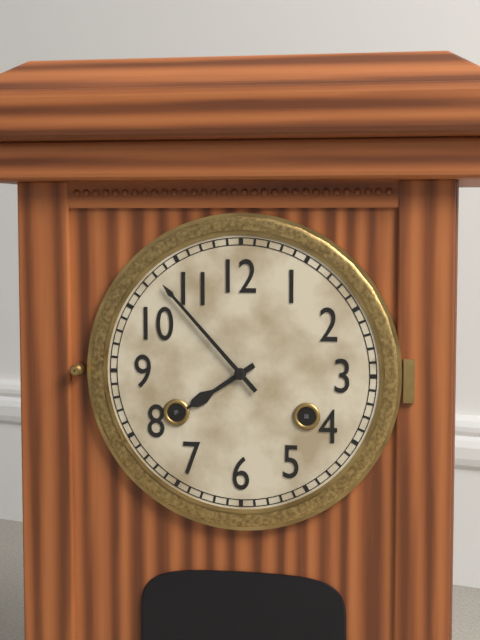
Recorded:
**7:53**
